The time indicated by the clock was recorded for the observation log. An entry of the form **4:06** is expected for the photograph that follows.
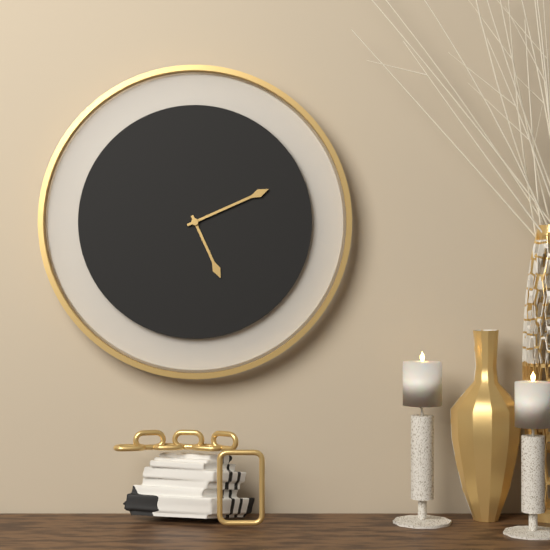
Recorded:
**5:11**
